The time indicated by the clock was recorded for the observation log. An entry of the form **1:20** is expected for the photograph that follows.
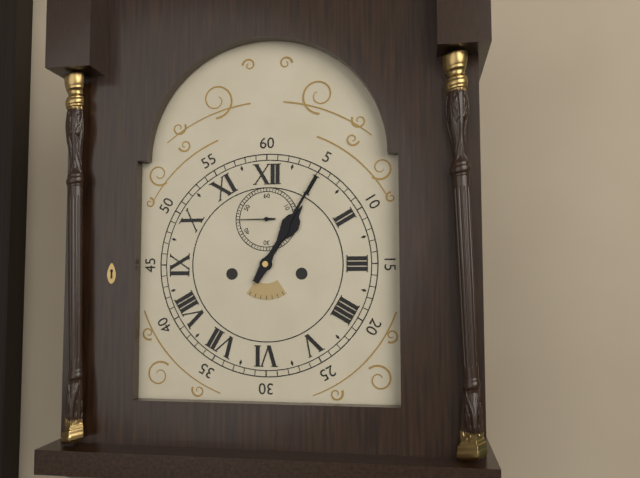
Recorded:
**1:05**
